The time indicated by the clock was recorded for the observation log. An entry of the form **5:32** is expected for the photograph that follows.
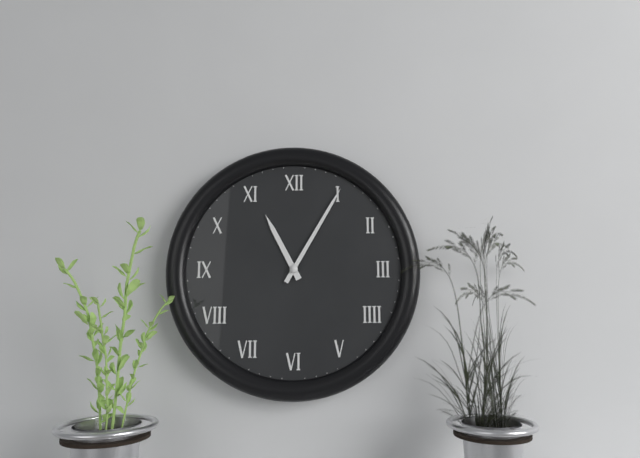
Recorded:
**11:05**
